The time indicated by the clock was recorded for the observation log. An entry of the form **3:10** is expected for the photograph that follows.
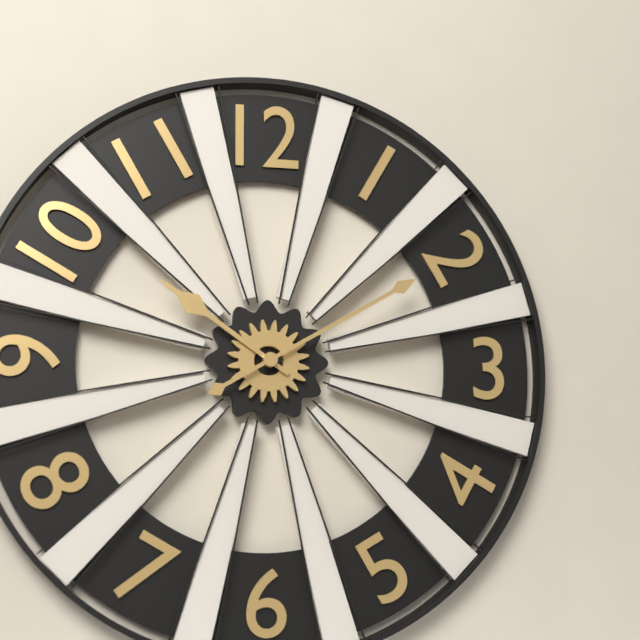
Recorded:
**10:10**
